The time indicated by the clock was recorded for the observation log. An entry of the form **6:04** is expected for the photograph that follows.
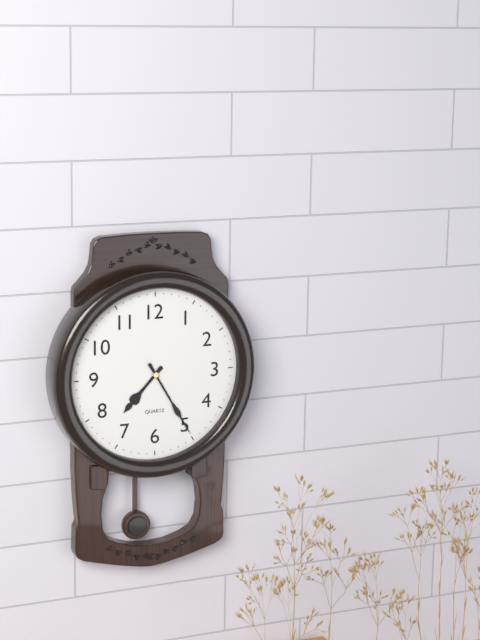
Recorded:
**7:25**
